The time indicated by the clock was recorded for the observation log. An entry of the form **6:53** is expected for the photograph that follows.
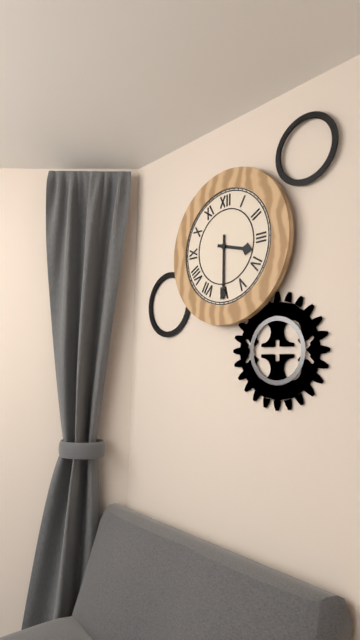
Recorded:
**3:30**
